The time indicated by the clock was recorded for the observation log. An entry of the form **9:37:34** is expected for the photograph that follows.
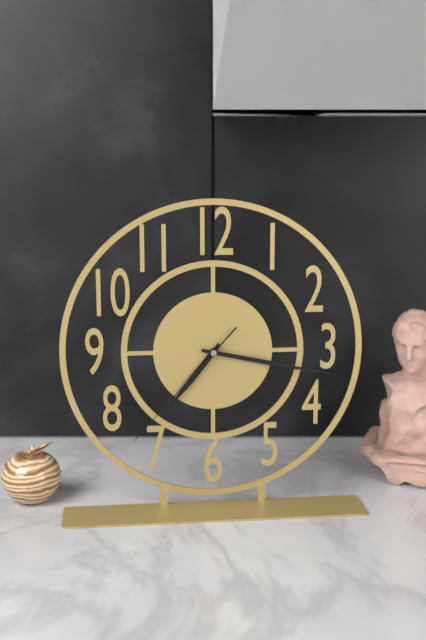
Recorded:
**7:17:37**
